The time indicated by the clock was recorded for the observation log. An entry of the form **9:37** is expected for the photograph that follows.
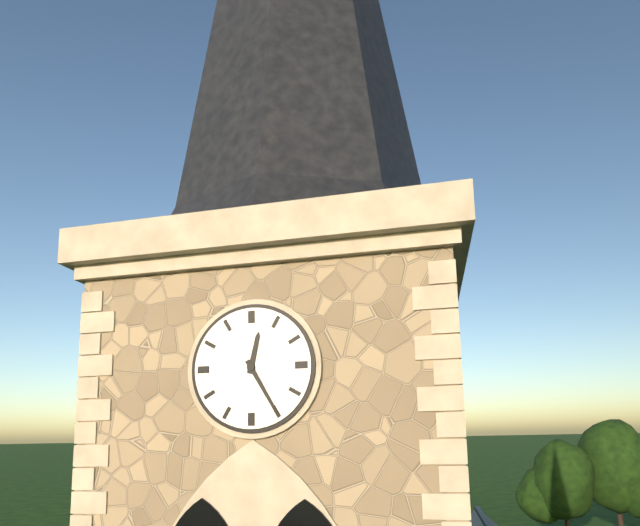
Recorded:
**12:25**
